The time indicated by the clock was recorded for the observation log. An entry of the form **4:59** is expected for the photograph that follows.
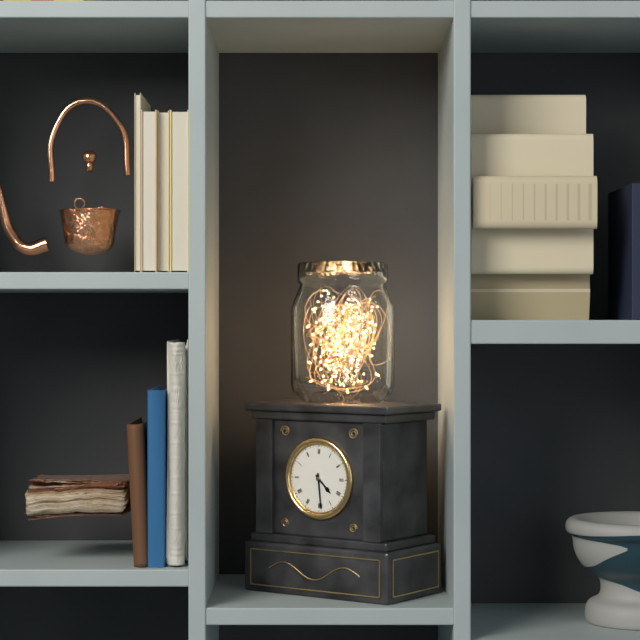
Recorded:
**4:29**
